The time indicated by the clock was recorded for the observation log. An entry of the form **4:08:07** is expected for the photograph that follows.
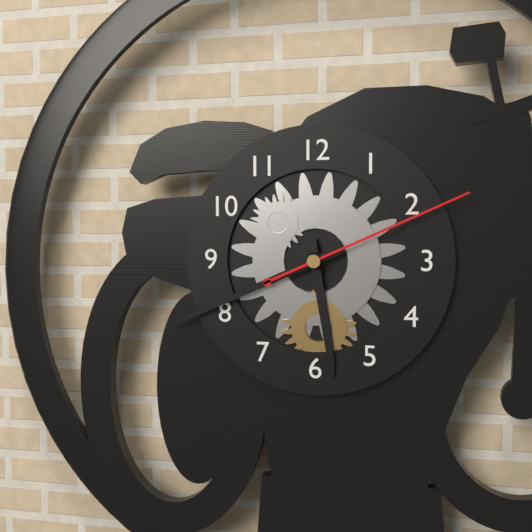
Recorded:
**5:41:11**
